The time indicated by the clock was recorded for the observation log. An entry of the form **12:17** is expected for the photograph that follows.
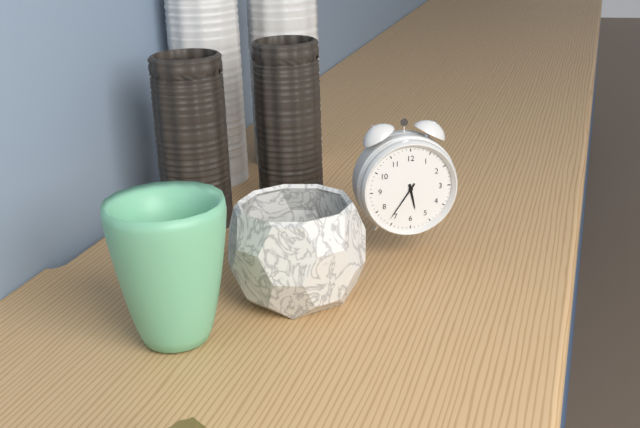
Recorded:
**5:36**
